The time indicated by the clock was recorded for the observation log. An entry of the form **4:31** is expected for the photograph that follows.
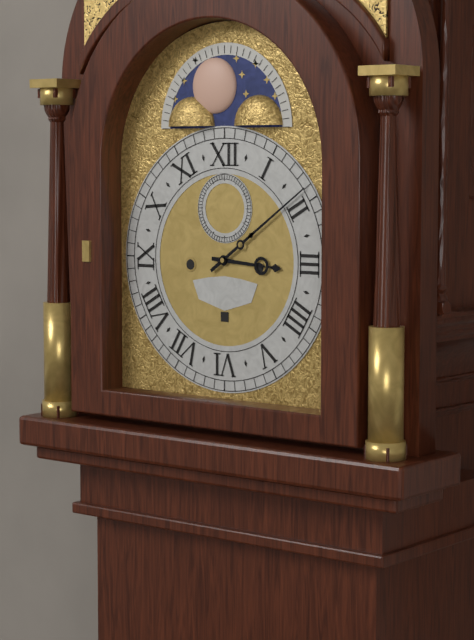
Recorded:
**3:09**
